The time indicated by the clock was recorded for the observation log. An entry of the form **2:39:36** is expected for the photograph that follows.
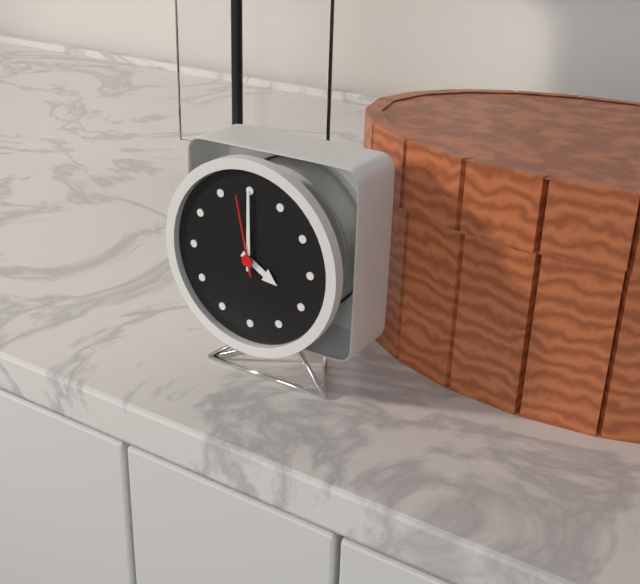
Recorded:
**4:00:58**
